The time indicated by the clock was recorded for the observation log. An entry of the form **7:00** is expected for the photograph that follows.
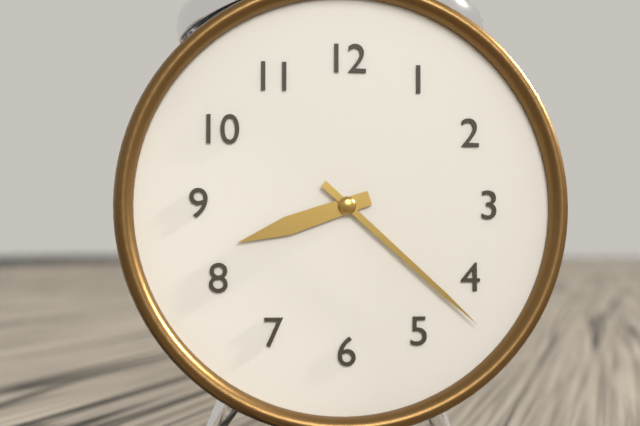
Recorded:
**8:22**
